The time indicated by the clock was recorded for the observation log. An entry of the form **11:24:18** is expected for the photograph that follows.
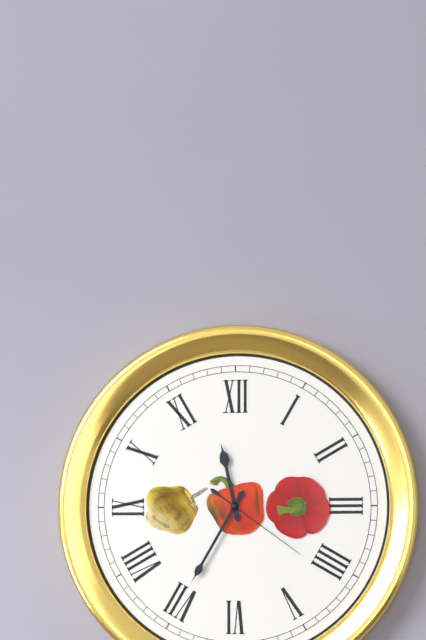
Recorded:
**11:35:21**
